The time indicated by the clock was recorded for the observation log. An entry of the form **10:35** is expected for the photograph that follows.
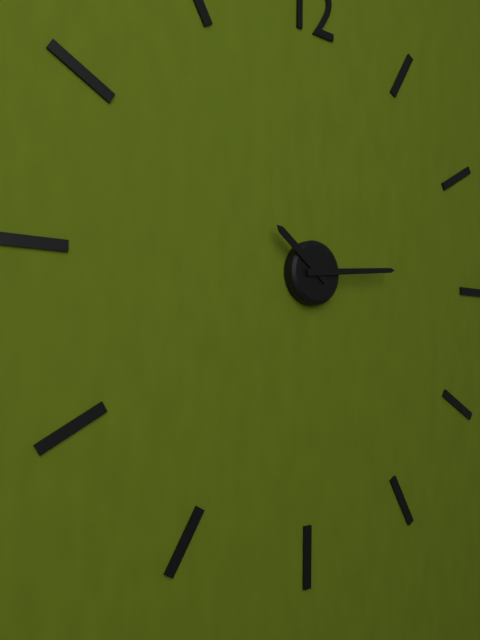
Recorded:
**10:14**
